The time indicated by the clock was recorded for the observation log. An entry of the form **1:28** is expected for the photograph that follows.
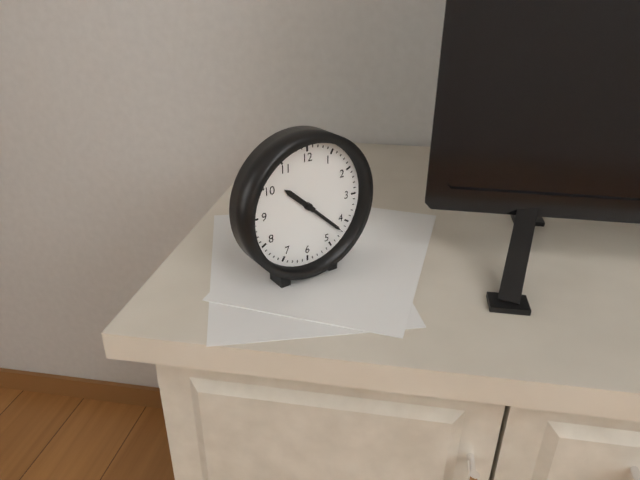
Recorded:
**10:22**
